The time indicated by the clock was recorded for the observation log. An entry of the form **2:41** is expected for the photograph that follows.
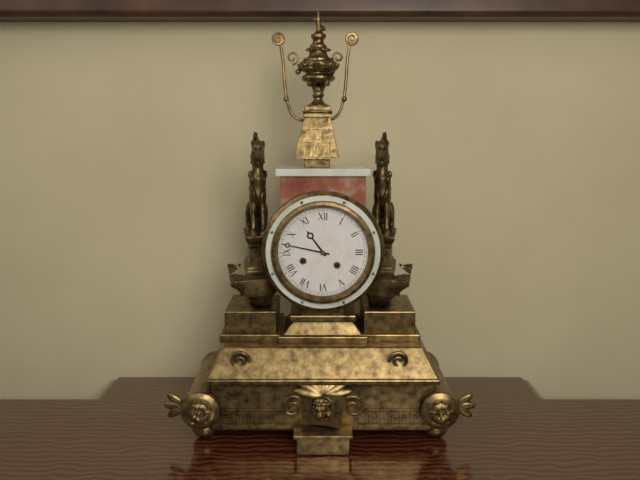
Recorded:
**10:47**
